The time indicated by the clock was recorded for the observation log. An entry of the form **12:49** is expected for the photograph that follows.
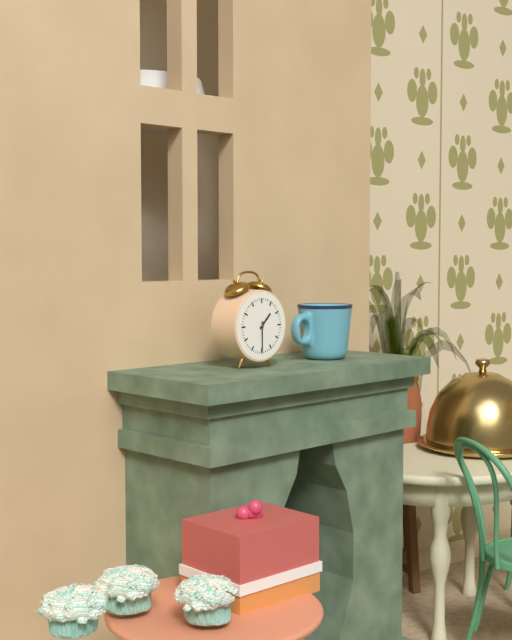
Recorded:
**1:30**
